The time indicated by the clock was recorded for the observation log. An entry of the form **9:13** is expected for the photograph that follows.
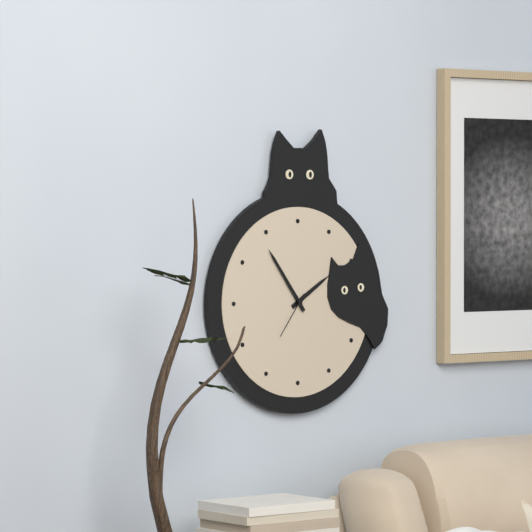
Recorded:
**1:54**
